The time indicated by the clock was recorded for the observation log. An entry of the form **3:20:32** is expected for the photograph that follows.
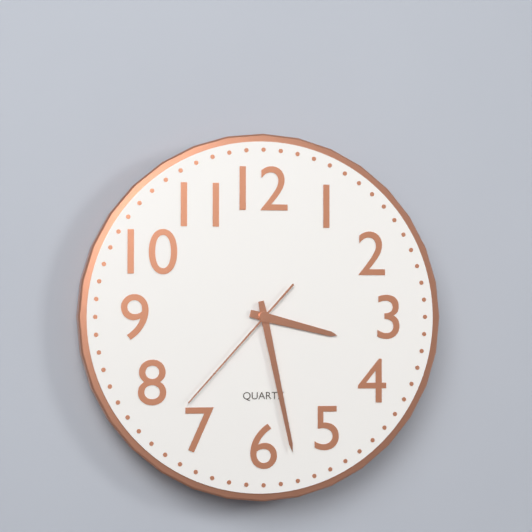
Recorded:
**3:28:37**
